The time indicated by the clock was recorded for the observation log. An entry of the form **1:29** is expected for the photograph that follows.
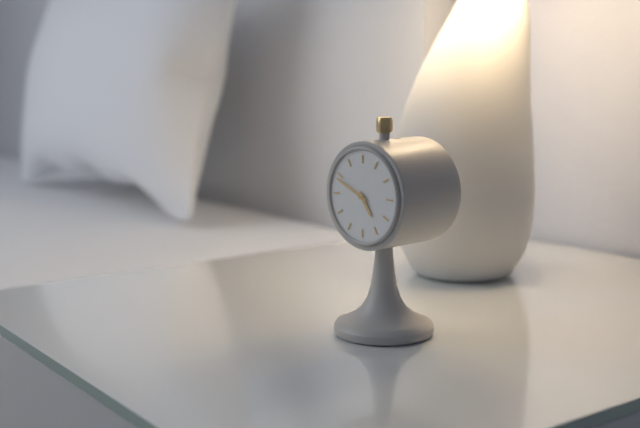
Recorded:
**4:49**
